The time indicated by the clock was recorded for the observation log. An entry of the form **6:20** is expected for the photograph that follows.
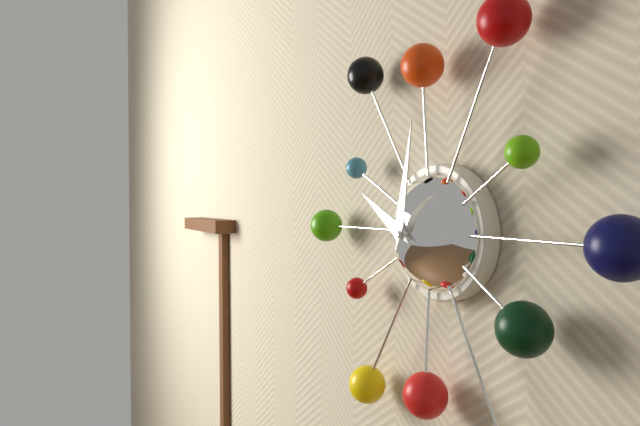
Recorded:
**10:02**
